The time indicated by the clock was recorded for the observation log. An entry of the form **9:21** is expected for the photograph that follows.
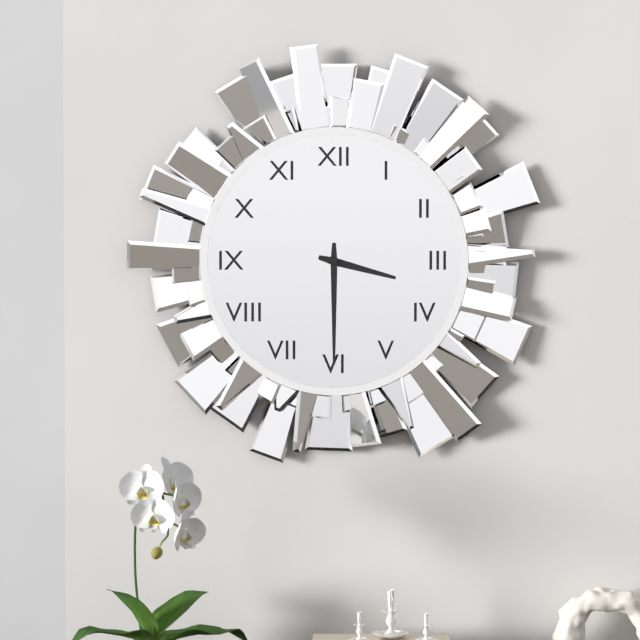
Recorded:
**3:30**
